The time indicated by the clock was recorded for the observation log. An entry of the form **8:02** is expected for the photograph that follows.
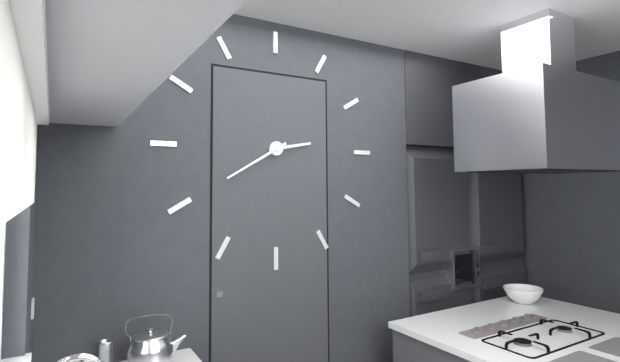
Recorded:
**2:40**
